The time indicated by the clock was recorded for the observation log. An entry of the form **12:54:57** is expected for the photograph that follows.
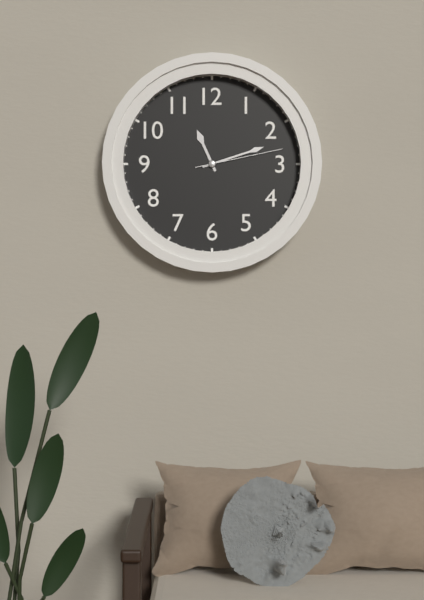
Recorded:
**11:12:13**
